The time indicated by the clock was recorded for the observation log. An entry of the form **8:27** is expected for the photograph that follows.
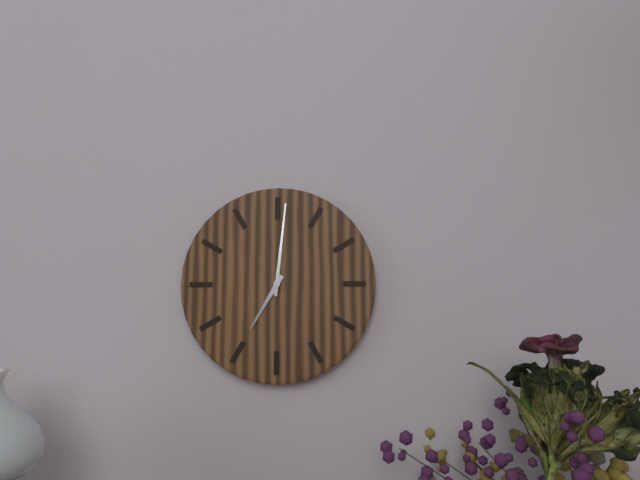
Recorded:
**7:01**
